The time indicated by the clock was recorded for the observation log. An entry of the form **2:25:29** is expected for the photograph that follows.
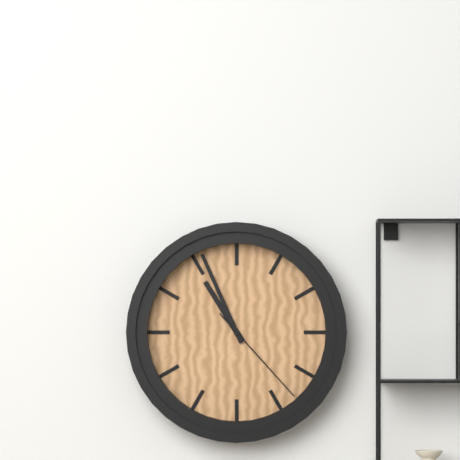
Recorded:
**10:56:23**
